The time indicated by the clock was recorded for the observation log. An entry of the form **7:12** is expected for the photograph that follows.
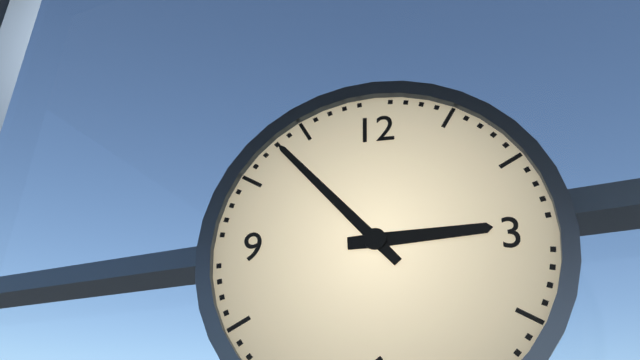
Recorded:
**2:53**
